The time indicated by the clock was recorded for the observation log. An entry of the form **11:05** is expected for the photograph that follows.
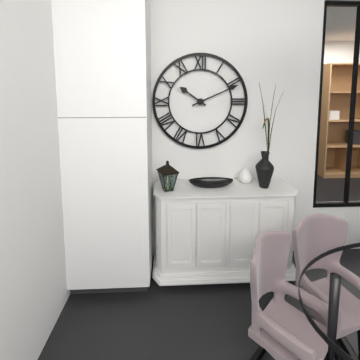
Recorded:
**10:11**
